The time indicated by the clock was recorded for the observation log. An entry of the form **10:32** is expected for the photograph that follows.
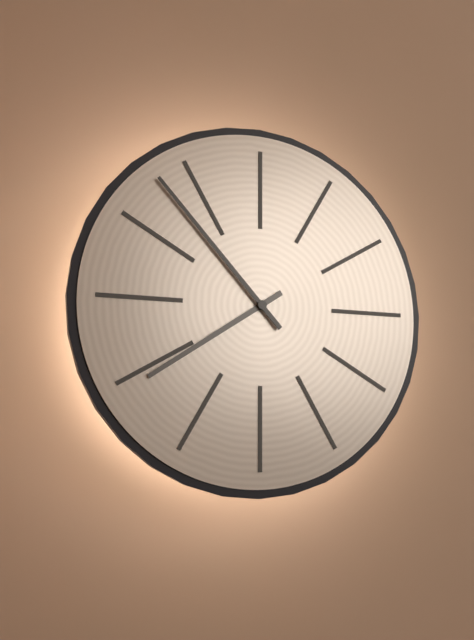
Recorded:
**7:53**
